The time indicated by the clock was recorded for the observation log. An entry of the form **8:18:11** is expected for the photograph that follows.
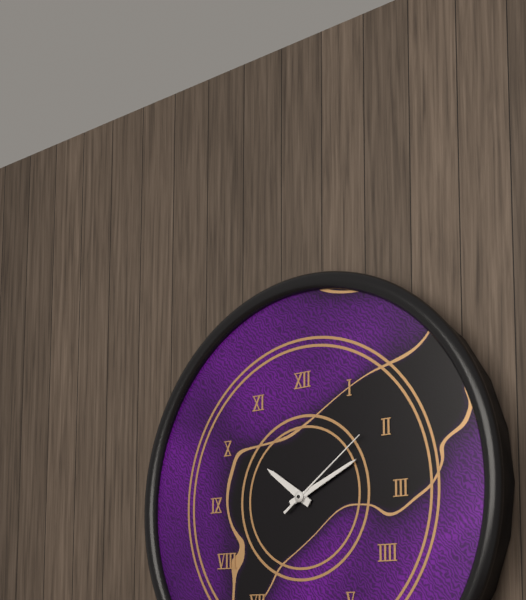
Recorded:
**10:11:09**
